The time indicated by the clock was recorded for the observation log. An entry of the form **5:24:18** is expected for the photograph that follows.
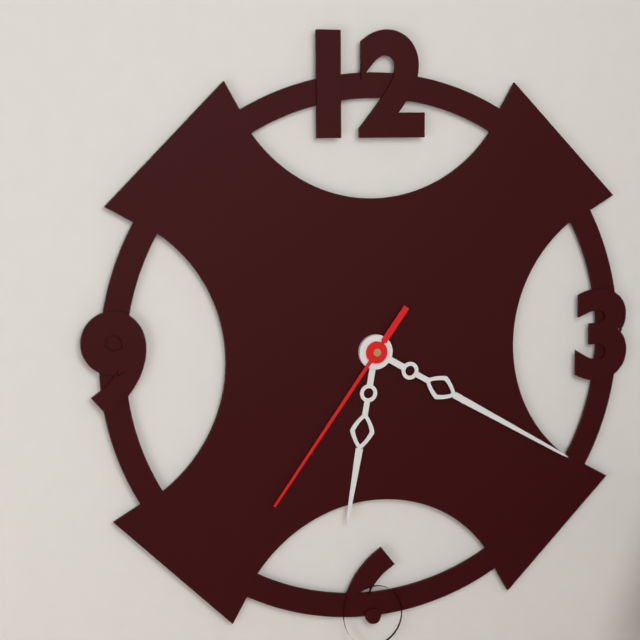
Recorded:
**6:20:36**
